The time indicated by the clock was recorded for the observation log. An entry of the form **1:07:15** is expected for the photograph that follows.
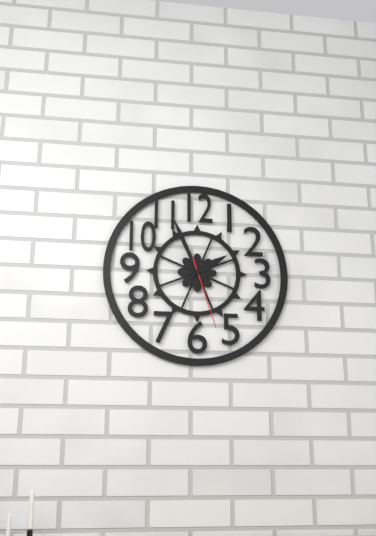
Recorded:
**1:56:27**
